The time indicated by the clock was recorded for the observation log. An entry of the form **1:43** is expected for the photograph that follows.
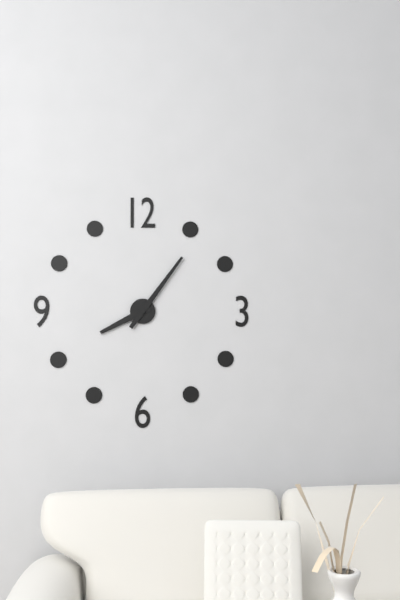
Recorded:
**8:06**
